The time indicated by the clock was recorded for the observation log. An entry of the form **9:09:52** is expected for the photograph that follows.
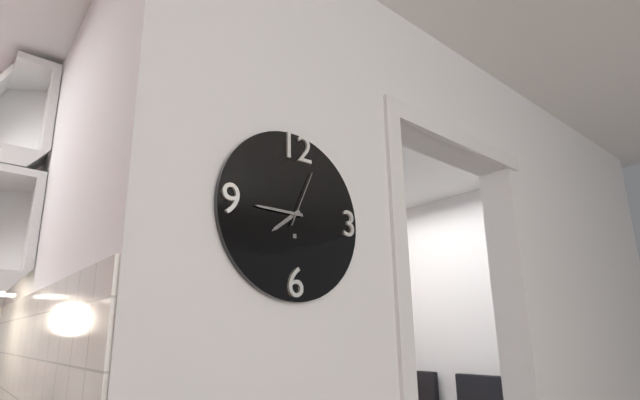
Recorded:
**7:45:04**
